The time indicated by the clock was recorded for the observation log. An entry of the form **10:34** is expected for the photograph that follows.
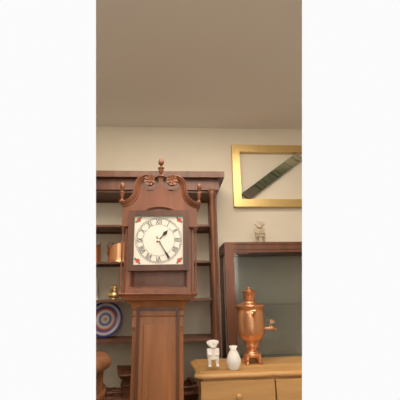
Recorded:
**1:25**
